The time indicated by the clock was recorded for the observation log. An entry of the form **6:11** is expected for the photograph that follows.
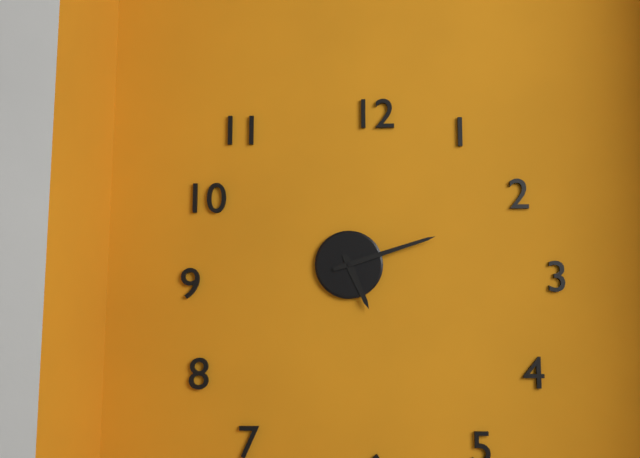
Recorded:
**5:12**
